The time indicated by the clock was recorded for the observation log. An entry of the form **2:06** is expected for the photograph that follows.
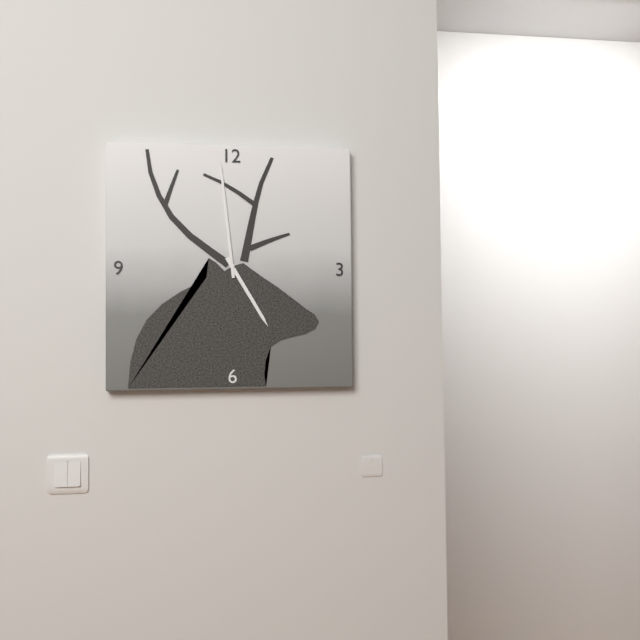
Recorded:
**4:59**
